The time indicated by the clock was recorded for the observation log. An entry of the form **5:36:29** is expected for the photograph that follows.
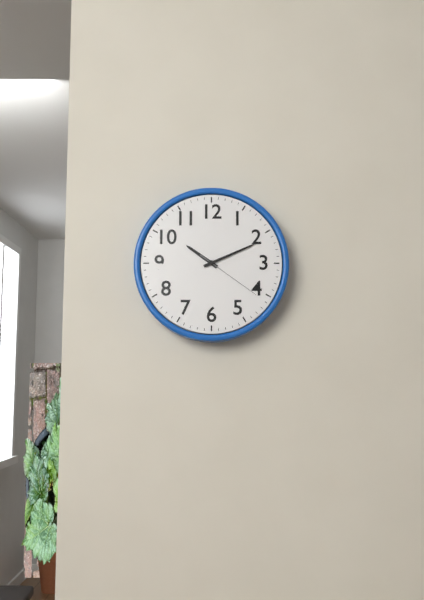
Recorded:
**10:11:21**
